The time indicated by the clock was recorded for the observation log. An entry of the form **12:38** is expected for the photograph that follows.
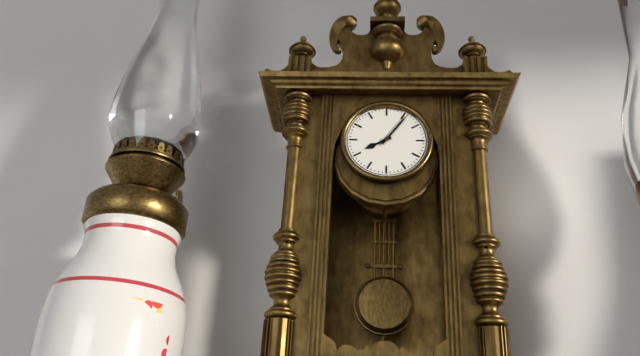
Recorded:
**8:06**
